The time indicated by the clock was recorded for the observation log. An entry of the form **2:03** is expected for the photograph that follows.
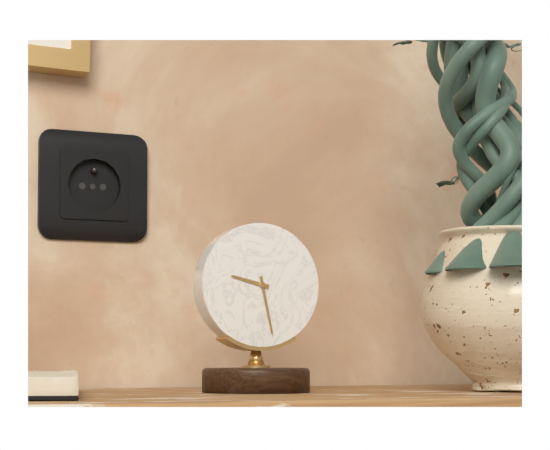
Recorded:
**9:28**
